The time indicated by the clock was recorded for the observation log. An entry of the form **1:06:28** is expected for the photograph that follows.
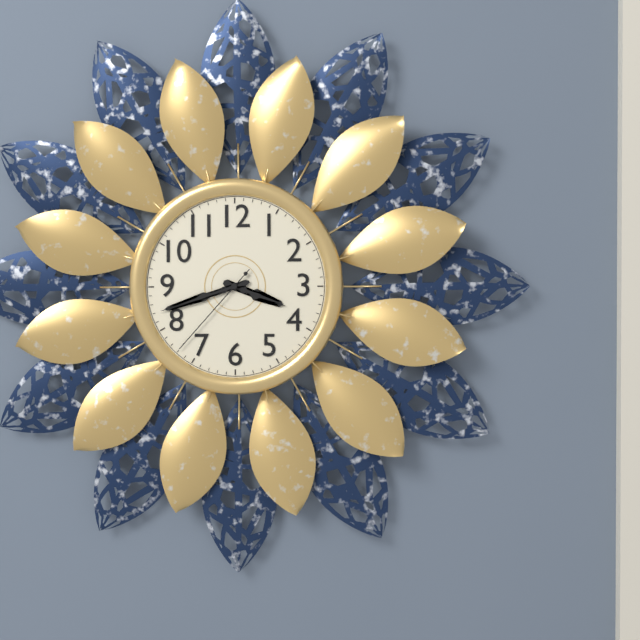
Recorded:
**3:42:37**
